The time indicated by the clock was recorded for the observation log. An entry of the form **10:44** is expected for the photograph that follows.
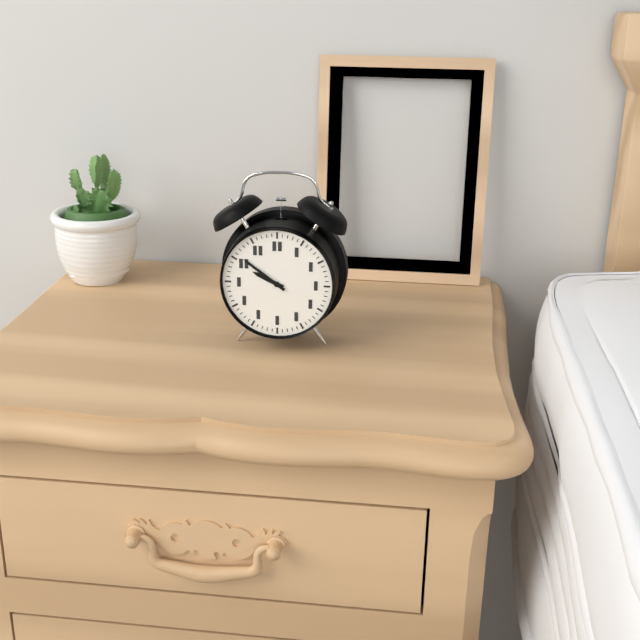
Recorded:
**9:51**
